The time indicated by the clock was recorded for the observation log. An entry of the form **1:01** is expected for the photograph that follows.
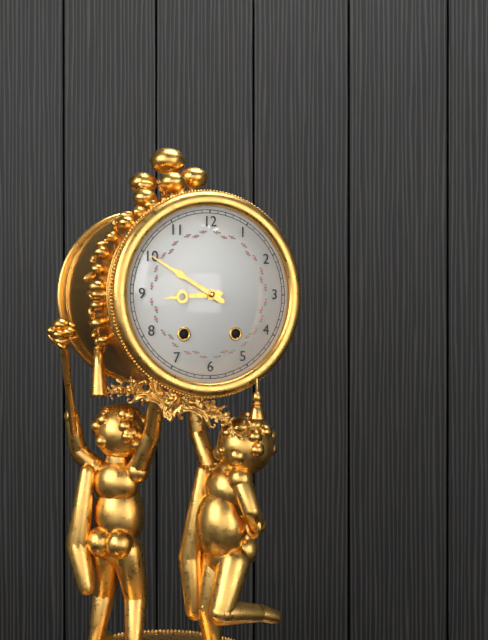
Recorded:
**8:50**
